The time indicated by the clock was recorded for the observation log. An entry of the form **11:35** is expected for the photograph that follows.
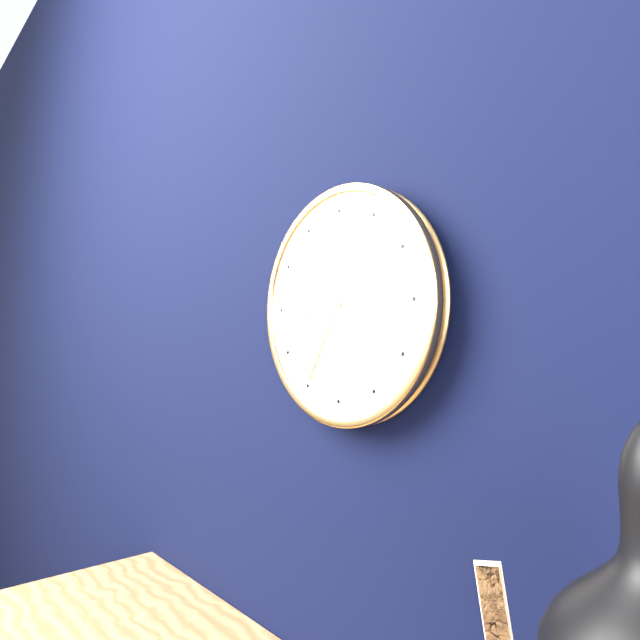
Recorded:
**8:35**
